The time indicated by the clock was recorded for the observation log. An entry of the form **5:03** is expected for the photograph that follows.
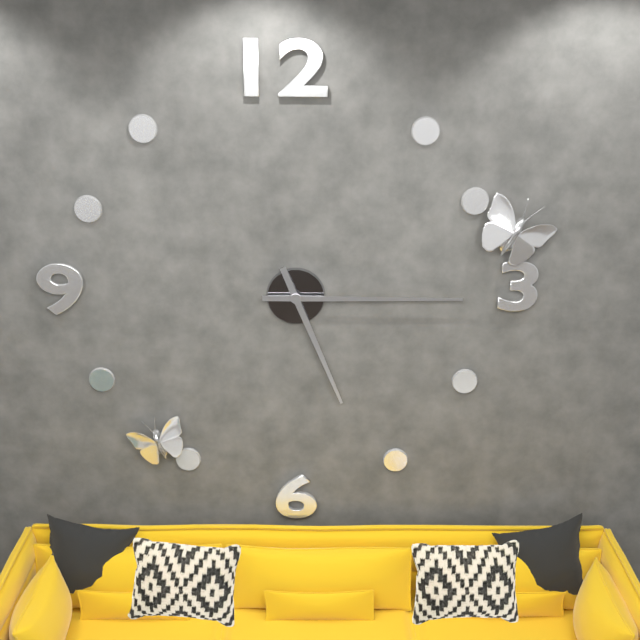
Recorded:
**5:15**
